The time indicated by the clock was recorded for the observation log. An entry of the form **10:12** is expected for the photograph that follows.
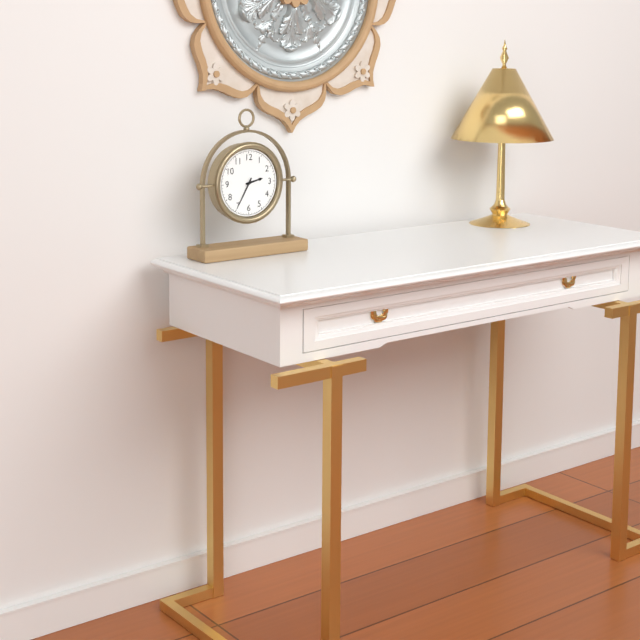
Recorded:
**2:35**
